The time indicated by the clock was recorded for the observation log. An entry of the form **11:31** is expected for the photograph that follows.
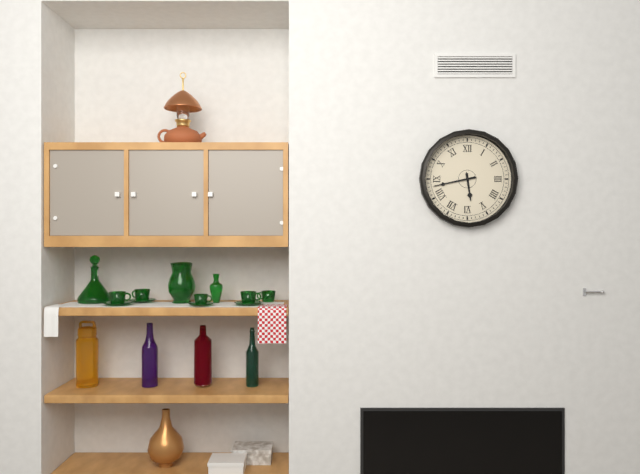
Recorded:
**5:43**
